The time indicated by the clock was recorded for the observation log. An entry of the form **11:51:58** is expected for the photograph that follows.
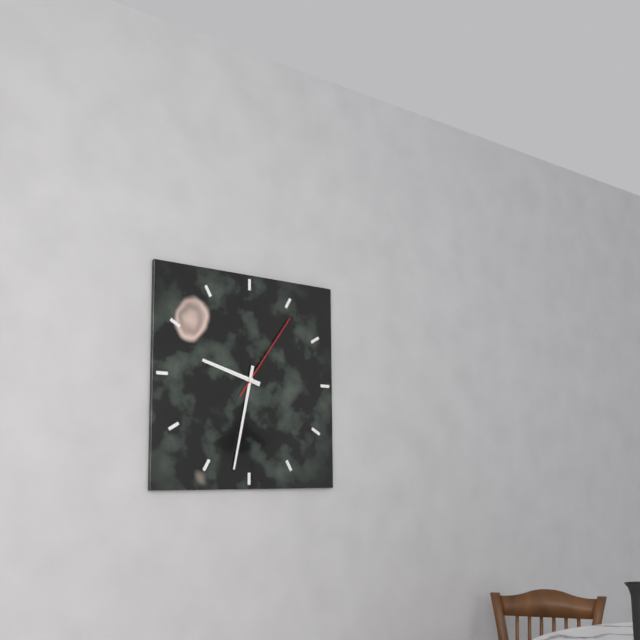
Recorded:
**9:32:06**
